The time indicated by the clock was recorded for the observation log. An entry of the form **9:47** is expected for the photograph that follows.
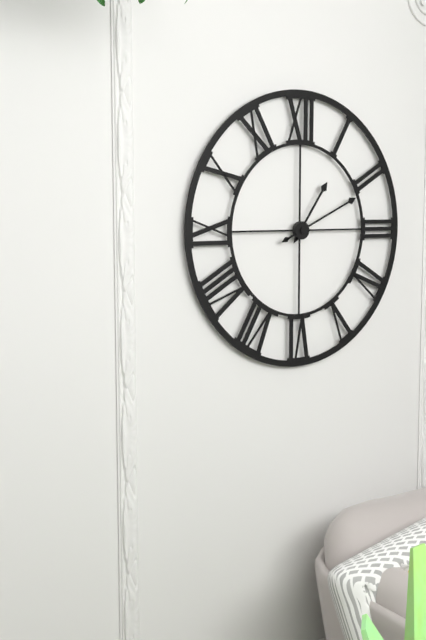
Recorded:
**1:11**
